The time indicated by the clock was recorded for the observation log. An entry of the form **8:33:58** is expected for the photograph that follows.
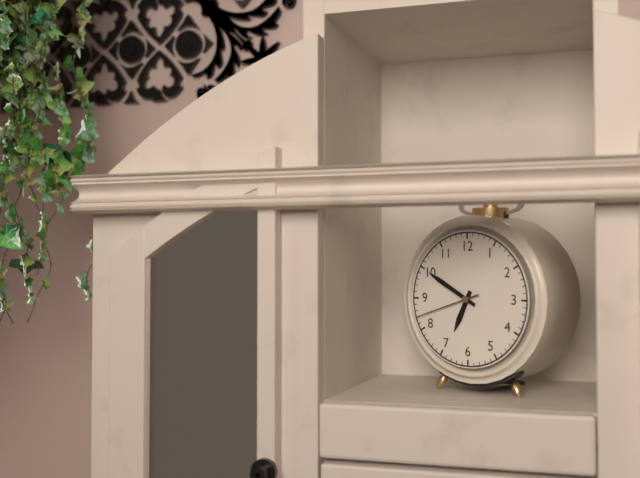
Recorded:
**6:50:42**
